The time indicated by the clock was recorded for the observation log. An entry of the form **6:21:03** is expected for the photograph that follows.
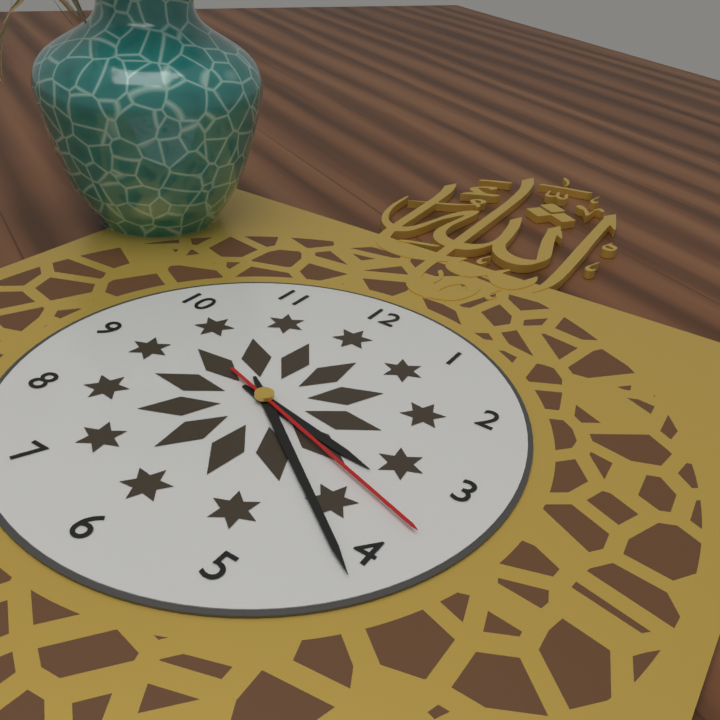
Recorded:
**3:21:18**
